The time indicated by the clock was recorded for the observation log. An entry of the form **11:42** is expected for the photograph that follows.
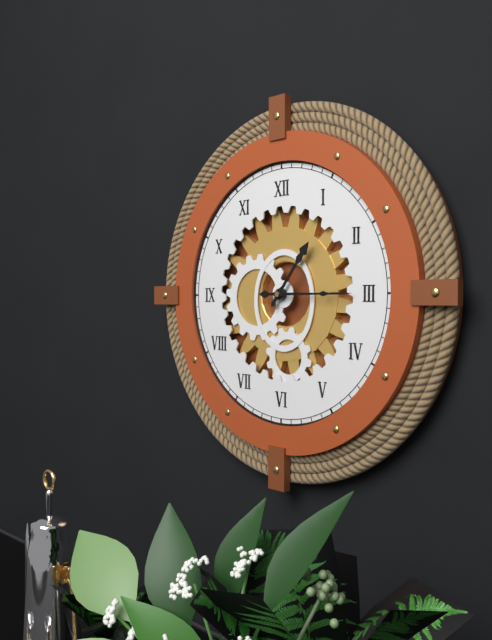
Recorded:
**1:15**
